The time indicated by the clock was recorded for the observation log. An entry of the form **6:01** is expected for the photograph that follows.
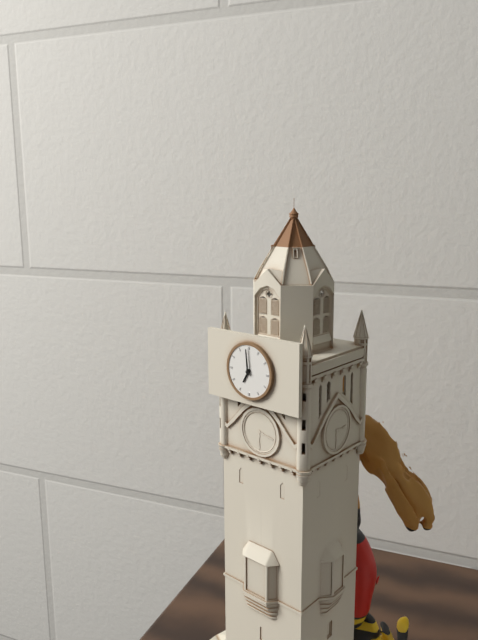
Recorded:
**6:59**
